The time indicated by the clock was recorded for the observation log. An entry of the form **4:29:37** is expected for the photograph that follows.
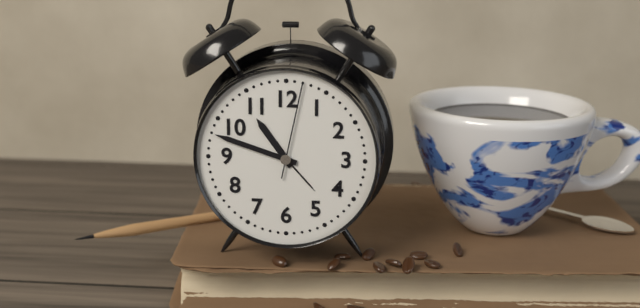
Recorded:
**10:48:02**
